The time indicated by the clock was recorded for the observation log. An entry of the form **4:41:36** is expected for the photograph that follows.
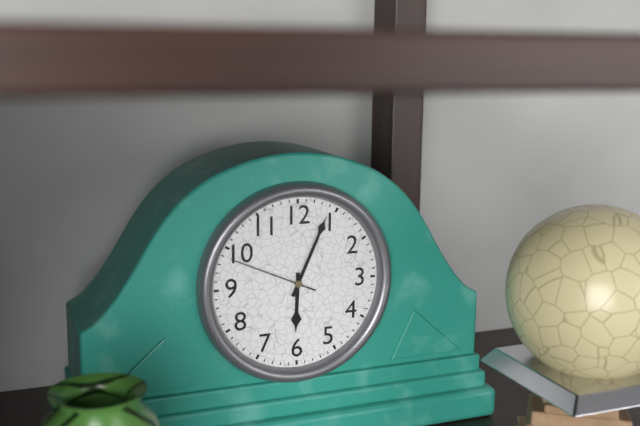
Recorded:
**6:04:49**
